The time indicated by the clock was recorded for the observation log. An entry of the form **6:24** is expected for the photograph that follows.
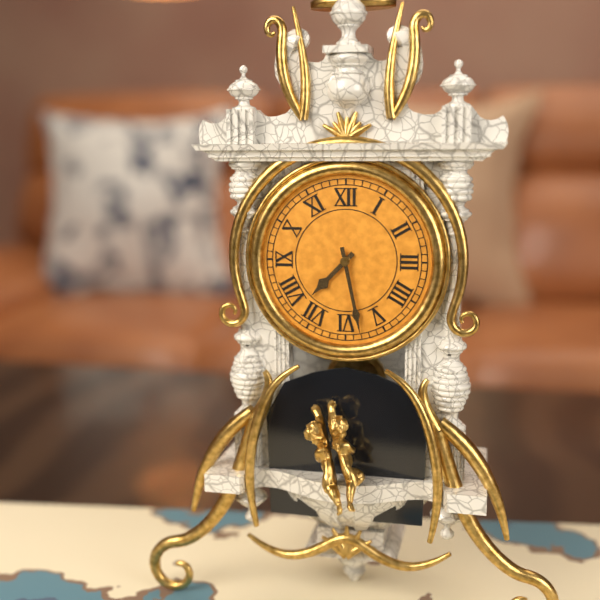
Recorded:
**7:28**
